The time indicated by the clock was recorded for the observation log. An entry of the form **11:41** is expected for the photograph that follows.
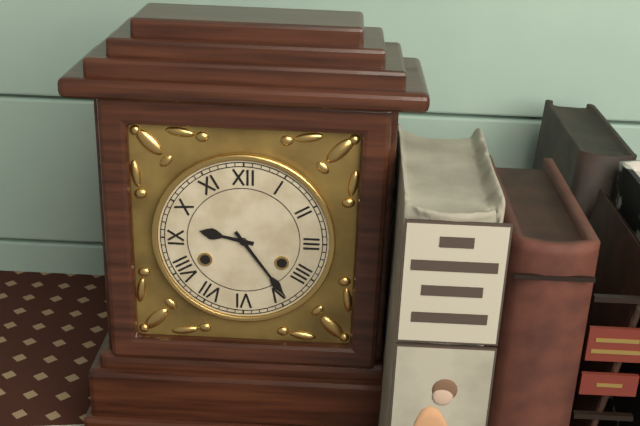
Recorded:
**9:24**
